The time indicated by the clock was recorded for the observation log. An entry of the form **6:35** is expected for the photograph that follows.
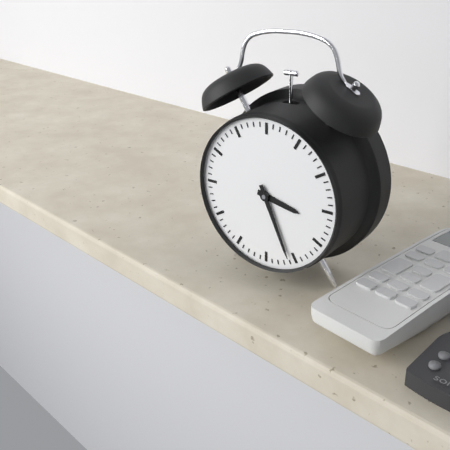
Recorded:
**3:26**
